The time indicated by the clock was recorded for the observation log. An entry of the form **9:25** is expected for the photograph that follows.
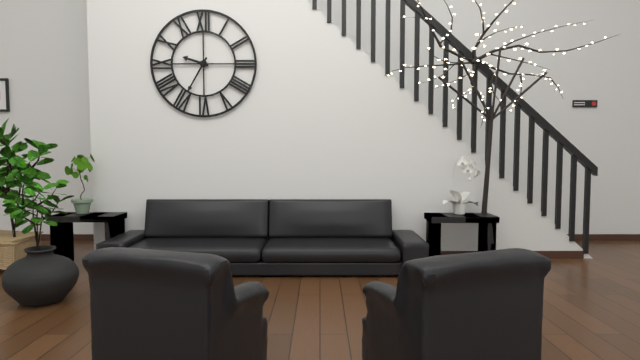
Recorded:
**9:35**
